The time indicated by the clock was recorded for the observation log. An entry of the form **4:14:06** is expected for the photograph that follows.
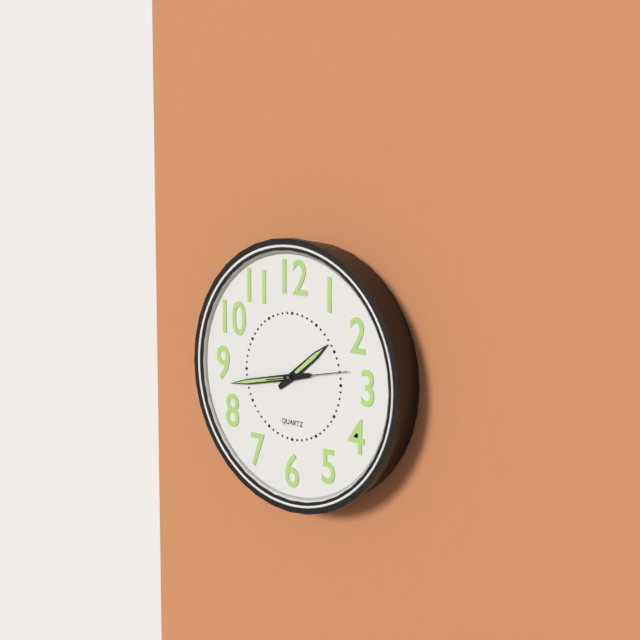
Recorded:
**1:43:13**
